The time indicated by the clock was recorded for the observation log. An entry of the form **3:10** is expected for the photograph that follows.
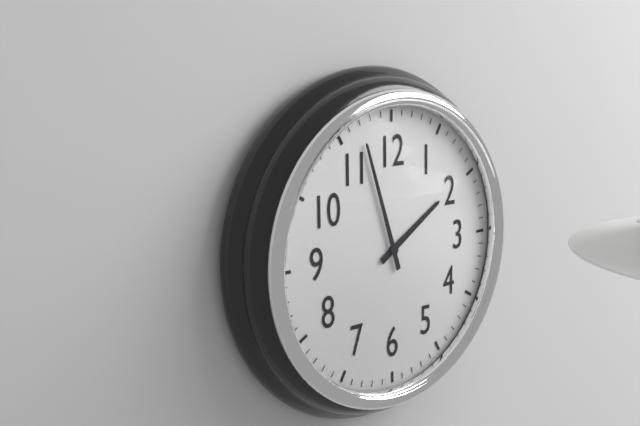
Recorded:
**1:57**
